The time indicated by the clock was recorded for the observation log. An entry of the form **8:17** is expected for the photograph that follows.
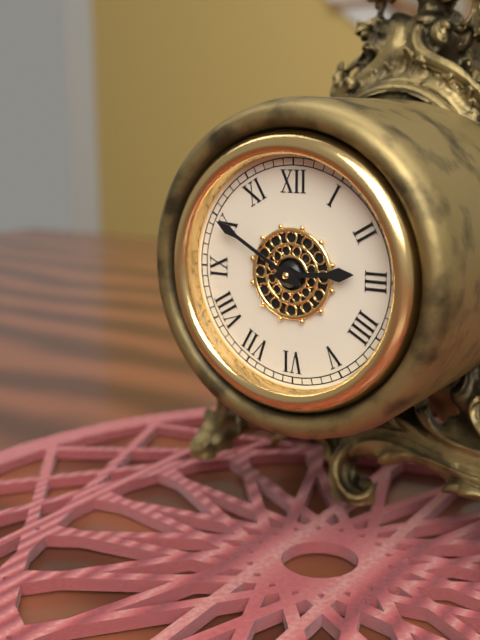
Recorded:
**2:50**
